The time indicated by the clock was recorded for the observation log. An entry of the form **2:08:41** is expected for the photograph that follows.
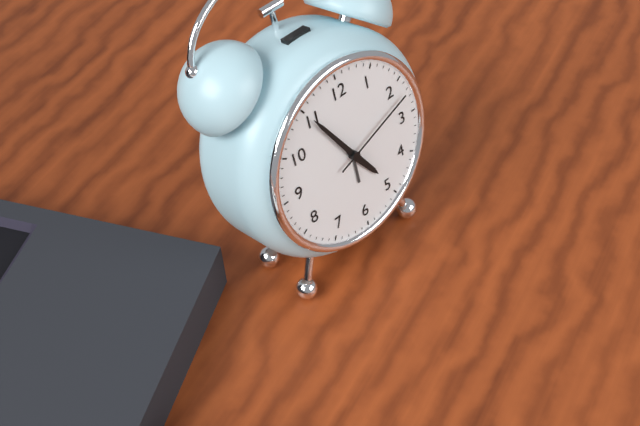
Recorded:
**4:55:12**
